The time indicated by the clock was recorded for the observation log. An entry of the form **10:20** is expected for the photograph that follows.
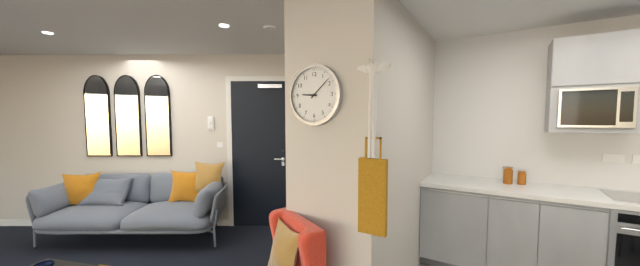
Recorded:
**9:08**
